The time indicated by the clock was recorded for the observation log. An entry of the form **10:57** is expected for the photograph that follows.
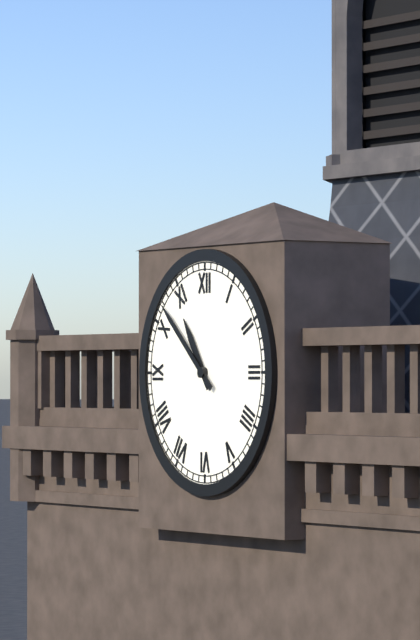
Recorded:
**10:52**
